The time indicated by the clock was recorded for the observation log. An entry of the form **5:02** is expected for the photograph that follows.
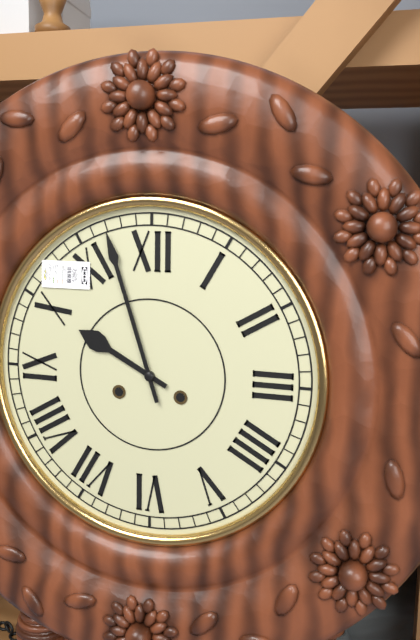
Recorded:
**9:57**
